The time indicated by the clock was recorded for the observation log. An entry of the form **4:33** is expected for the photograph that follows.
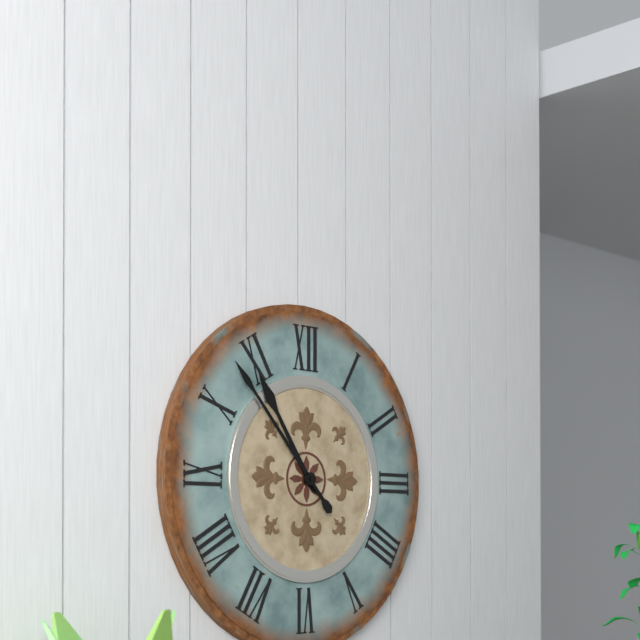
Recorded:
**10:53**
